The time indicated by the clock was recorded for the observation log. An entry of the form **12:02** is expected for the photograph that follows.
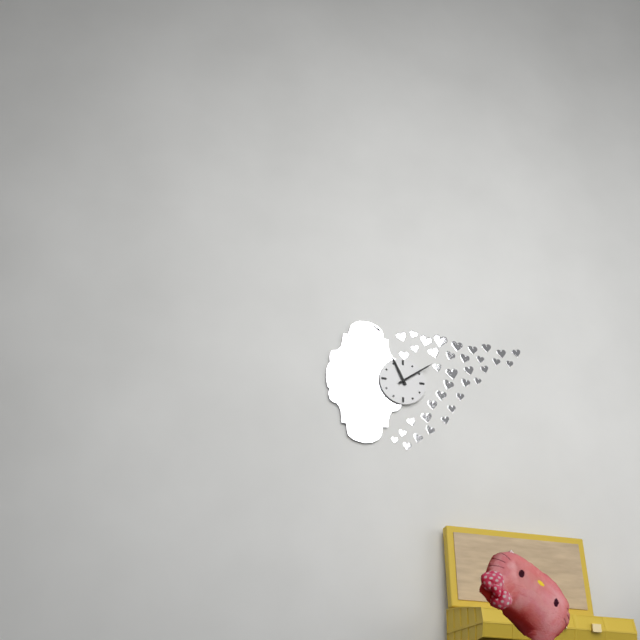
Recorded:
**11:09**
